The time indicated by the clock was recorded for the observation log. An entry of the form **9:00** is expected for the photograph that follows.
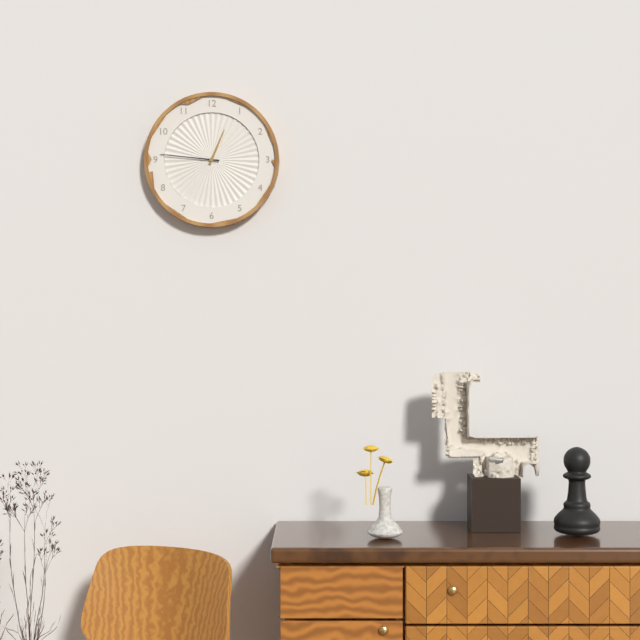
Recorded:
**12:46**
